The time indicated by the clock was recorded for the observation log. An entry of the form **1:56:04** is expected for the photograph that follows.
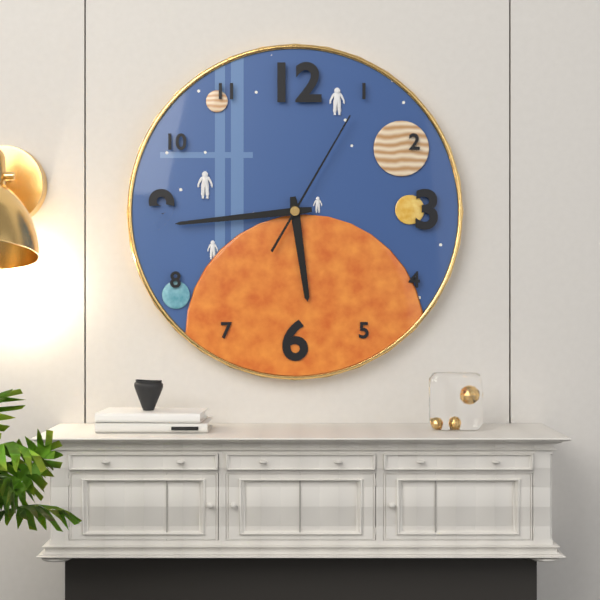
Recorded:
**5:44:05**
